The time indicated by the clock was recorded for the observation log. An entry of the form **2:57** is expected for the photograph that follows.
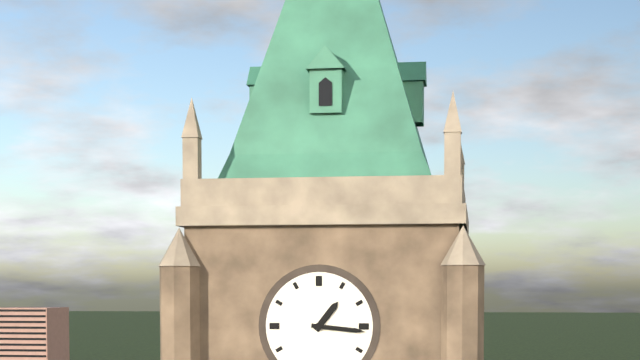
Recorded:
**1:16**
